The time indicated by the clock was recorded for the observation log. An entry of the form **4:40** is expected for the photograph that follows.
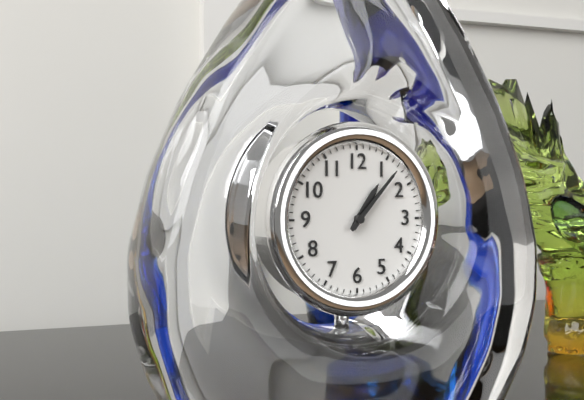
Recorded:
**1:07**
